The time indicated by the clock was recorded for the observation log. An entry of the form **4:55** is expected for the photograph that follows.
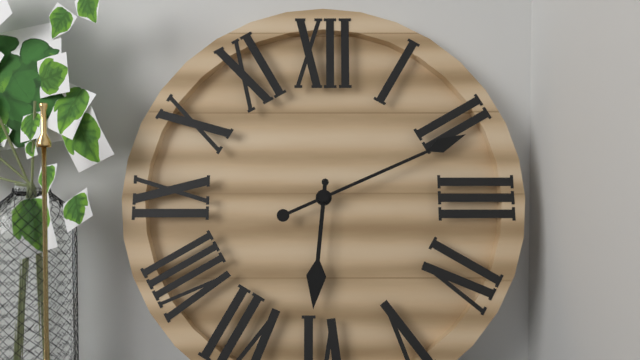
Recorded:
**6:11**
